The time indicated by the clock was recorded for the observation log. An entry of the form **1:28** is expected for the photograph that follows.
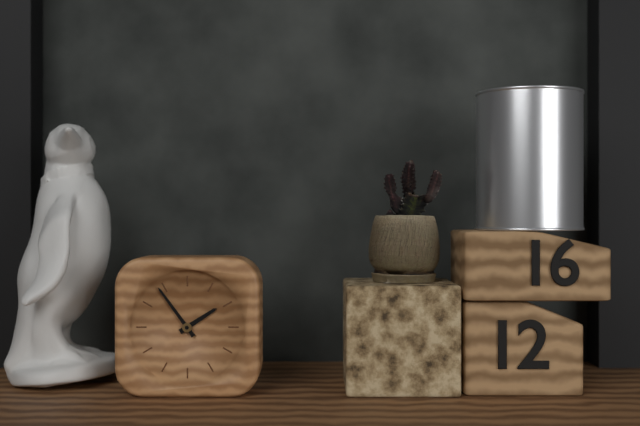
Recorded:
**1:54**
